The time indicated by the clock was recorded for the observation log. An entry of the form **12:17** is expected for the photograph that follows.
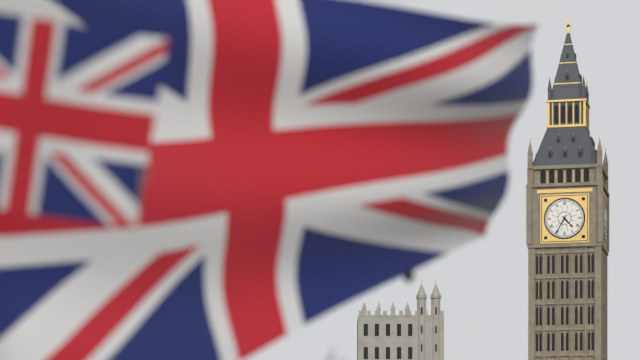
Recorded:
**4:35**
